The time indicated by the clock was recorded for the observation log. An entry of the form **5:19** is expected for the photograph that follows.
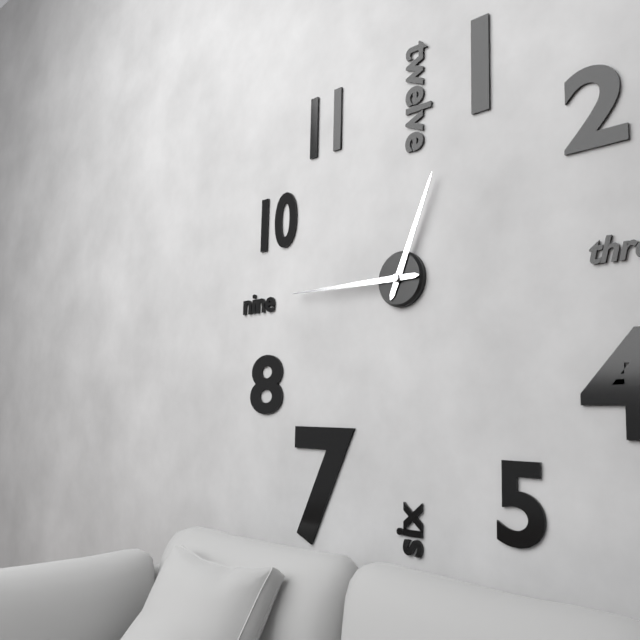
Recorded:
**12:45**
